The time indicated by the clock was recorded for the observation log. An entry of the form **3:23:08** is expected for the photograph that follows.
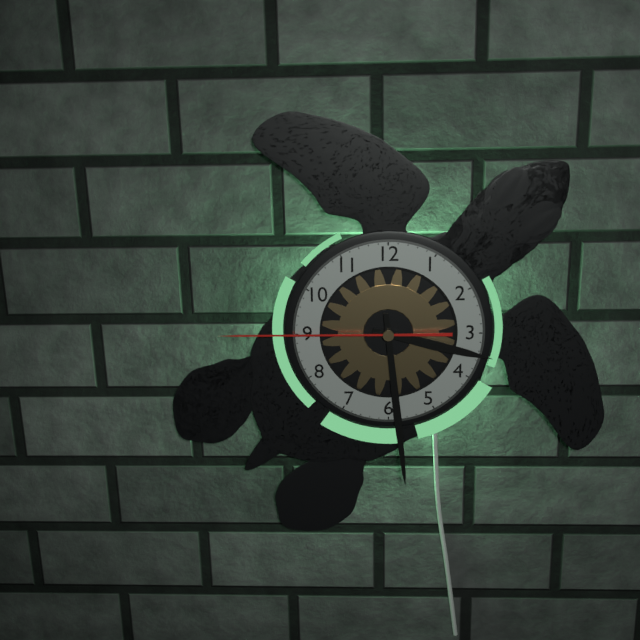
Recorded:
**3:29:45**
